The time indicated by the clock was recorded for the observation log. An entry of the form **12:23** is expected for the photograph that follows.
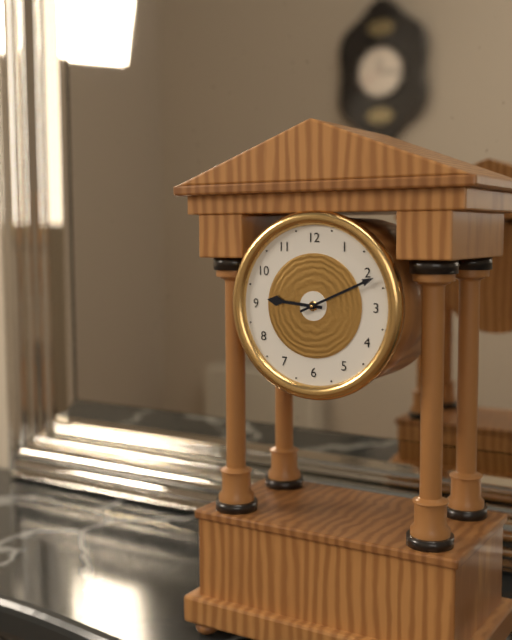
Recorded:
**9:11**
